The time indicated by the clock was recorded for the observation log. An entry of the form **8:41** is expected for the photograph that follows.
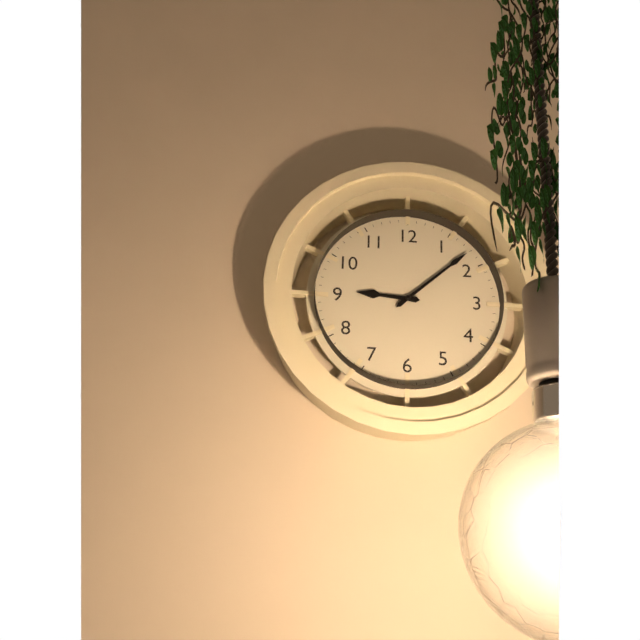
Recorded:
**9:08**
